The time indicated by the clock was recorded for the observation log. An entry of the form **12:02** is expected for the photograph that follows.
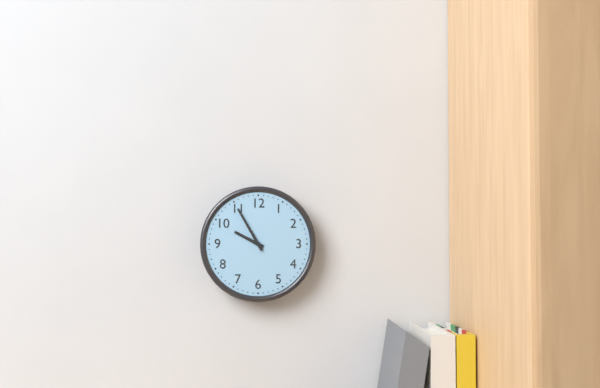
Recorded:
**9:55**
